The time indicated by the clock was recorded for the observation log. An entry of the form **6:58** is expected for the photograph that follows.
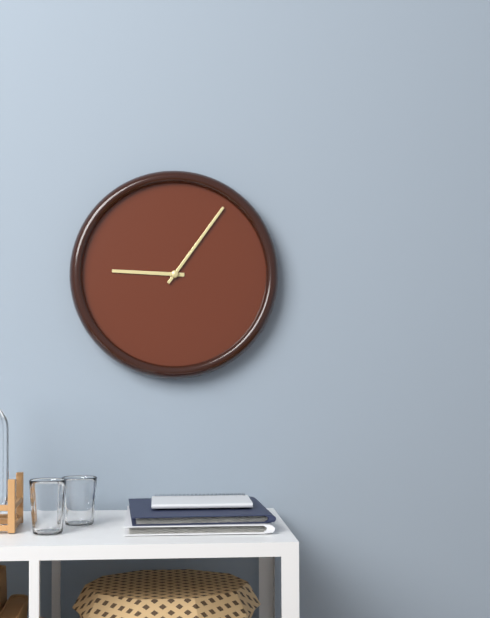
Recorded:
**9:06**
